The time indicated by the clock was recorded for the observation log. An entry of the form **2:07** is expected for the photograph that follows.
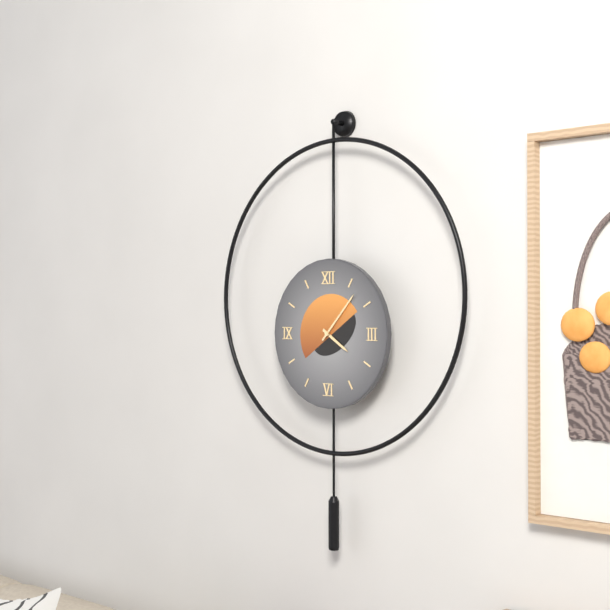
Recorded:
**4:07**
